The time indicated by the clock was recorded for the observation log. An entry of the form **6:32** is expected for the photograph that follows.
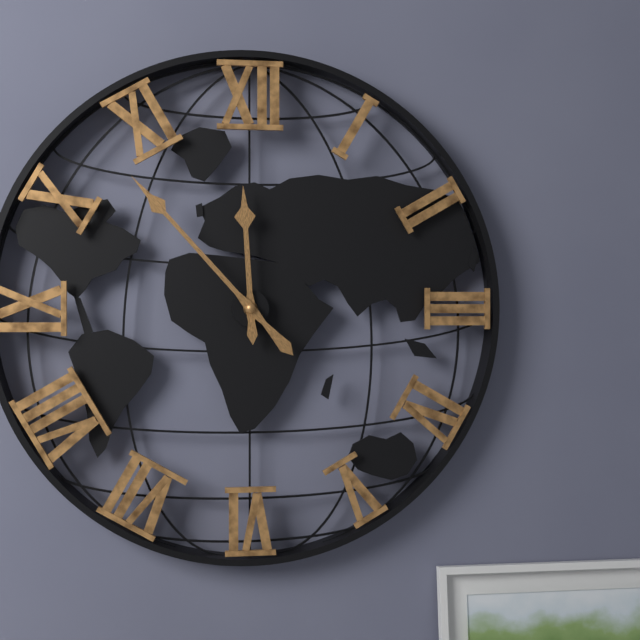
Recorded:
**11:53**
